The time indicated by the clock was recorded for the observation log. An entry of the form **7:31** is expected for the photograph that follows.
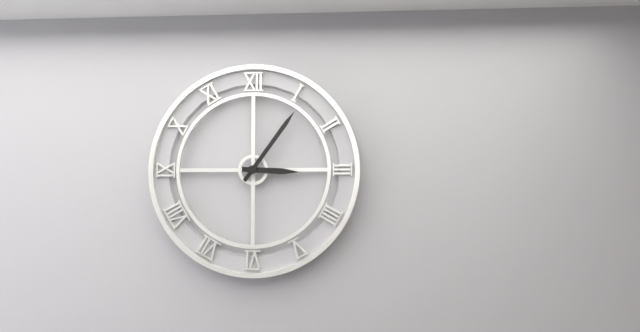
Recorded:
**3:06**
